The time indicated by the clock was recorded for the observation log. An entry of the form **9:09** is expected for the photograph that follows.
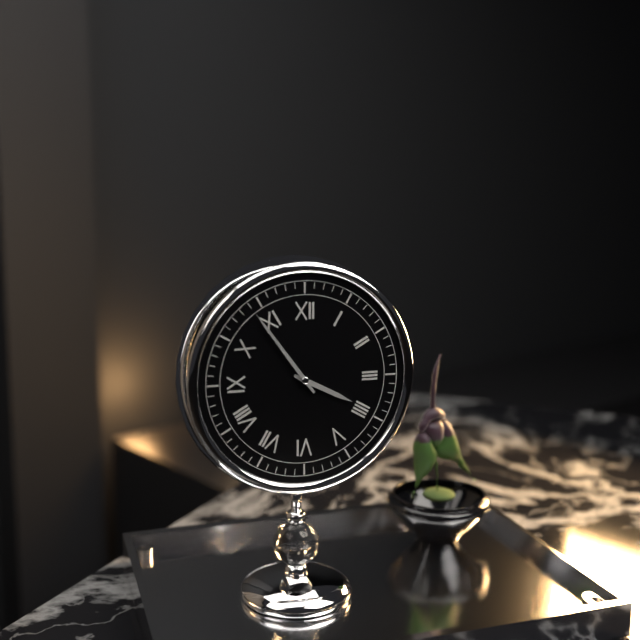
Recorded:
**3:54**
